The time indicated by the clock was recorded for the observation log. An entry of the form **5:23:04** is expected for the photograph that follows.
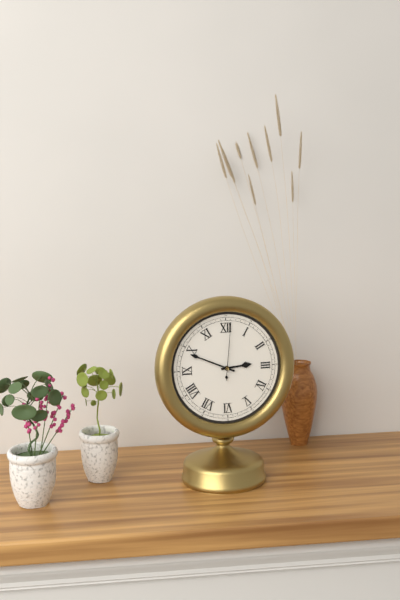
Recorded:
**2:49:01**
